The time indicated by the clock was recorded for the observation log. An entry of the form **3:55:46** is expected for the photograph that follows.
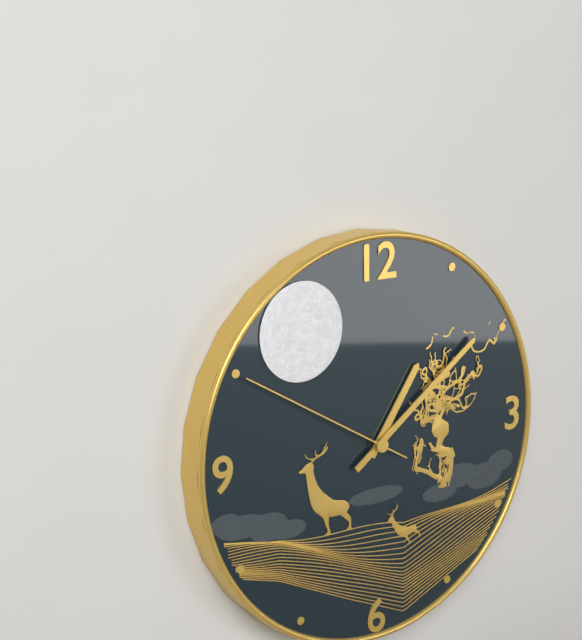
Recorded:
**1:09:50**
